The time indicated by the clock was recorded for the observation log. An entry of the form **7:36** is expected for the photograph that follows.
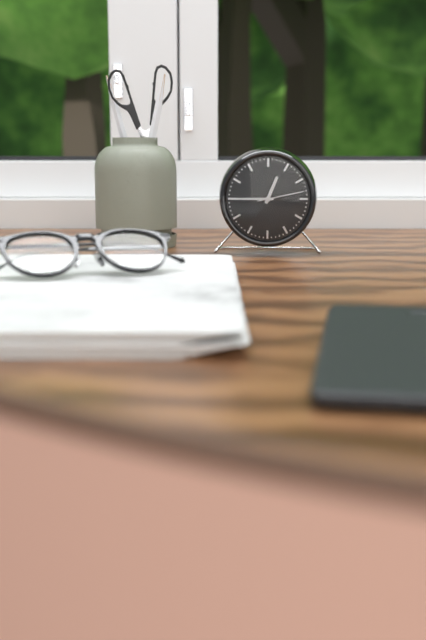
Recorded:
**12:45**
